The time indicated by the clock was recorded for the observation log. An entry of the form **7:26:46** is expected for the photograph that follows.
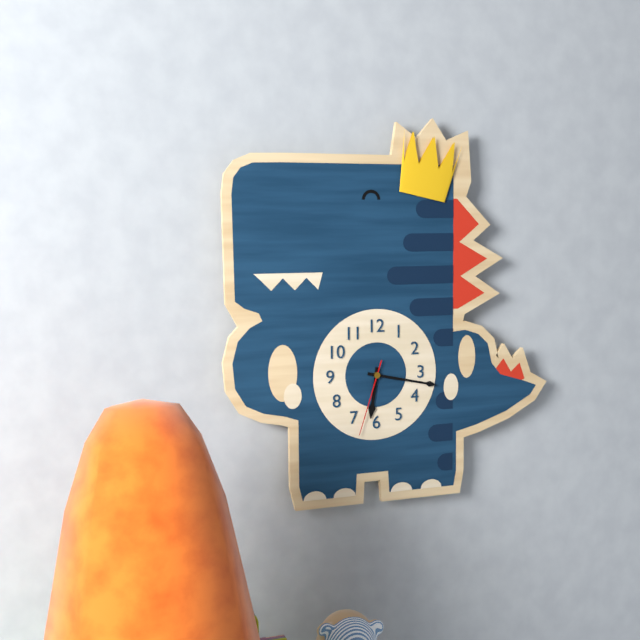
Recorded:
**6:17:33**
